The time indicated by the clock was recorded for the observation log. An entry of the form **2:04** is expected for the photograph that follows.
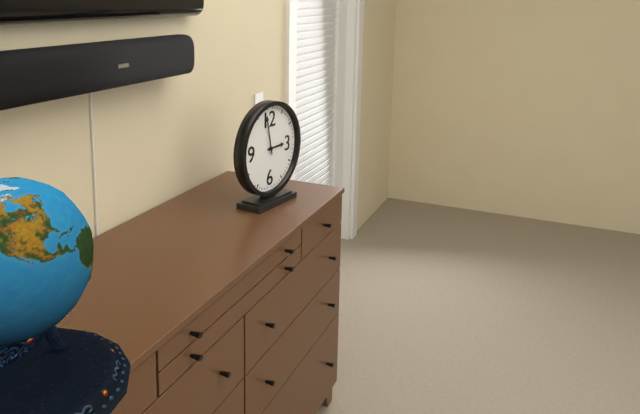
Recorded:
**2:58**
